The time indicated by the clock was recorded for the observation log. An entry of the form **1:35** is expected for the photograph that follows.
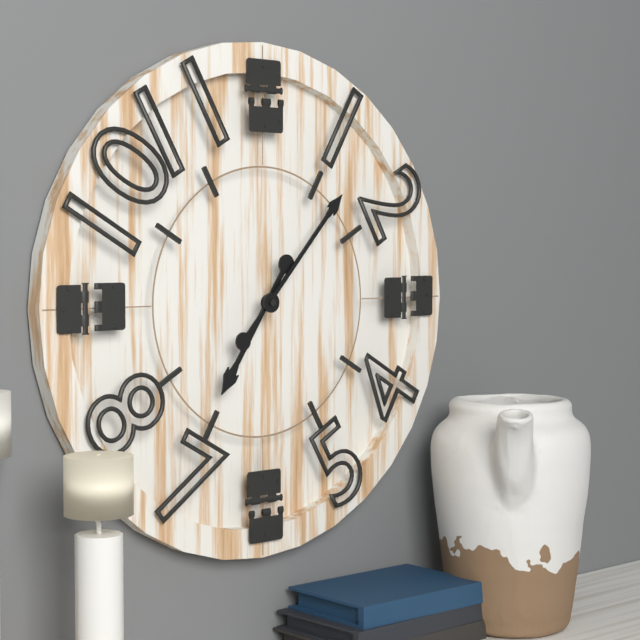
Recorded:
**7:07**
